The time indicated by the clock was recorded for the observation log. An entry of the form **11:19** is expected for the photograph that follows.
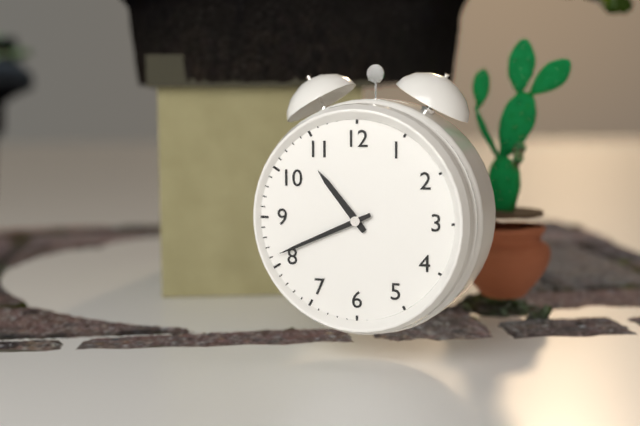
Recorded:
**10:41**
